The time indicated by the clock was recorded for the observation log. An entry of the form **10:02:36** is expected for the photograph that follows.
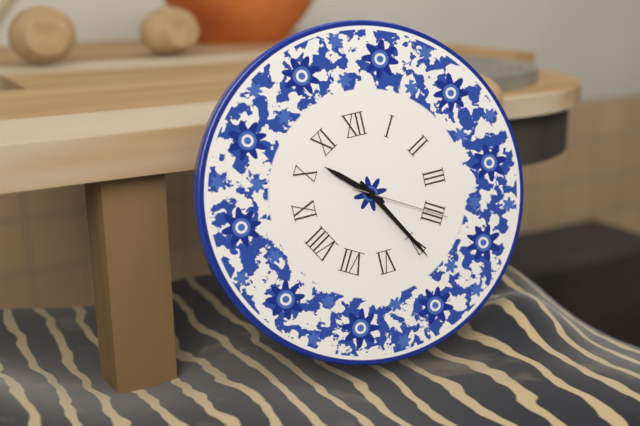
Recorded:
**10:25:20**
